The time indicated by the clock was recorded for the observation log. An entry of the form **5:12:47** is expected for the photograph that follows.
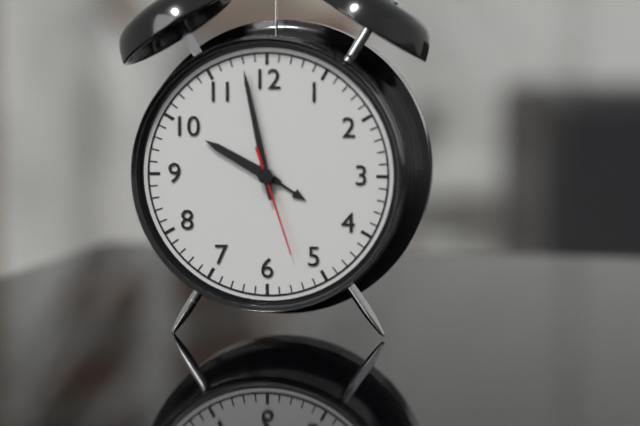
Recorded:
**9:58:27**
